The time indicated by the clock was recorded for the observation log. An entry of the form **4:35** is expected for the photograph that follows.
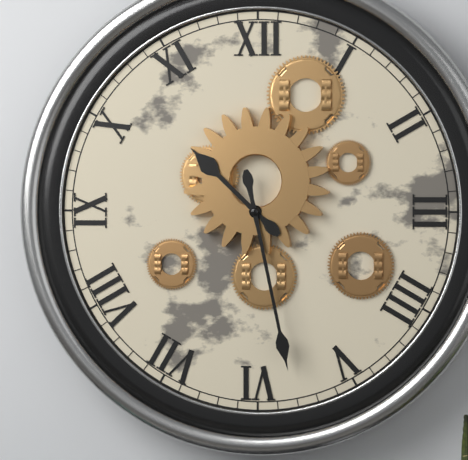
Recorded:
**10:28**
